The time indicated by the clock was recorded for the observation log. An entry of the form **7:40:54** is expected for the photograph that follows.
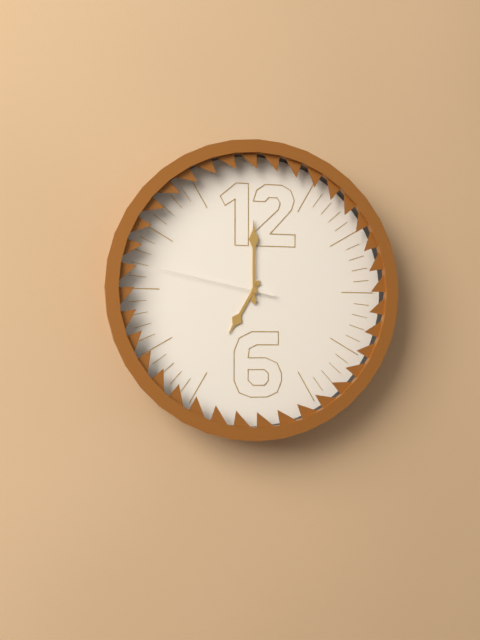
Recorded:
**7:00:47**
